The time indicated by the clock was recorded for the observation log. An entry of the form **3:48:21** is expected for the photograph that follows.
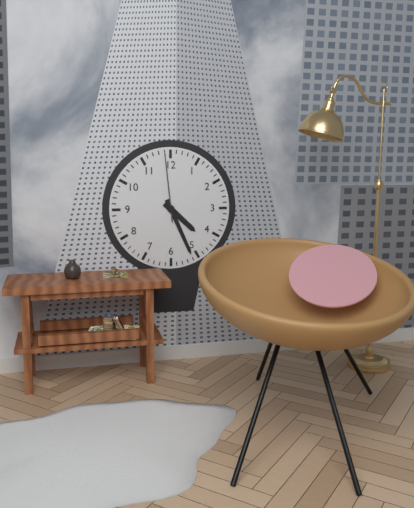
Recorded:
**4:26:59**
